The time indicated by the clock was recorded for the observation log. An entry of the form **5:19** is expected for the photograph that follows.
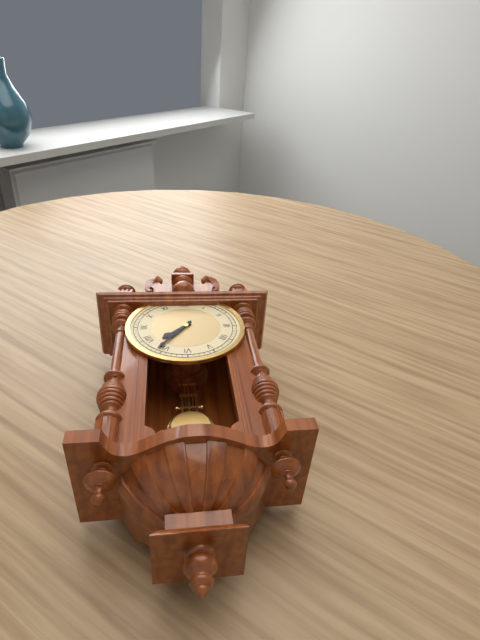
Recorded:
**7:36**
